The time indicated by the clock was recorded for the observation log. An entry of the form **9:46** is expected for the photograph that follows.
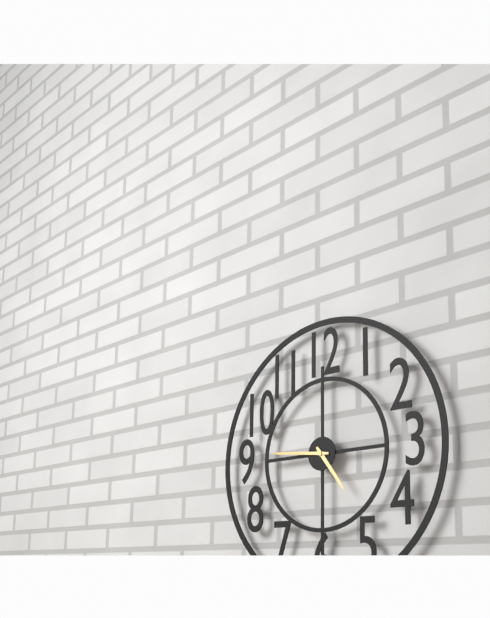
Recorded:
**4:46**
